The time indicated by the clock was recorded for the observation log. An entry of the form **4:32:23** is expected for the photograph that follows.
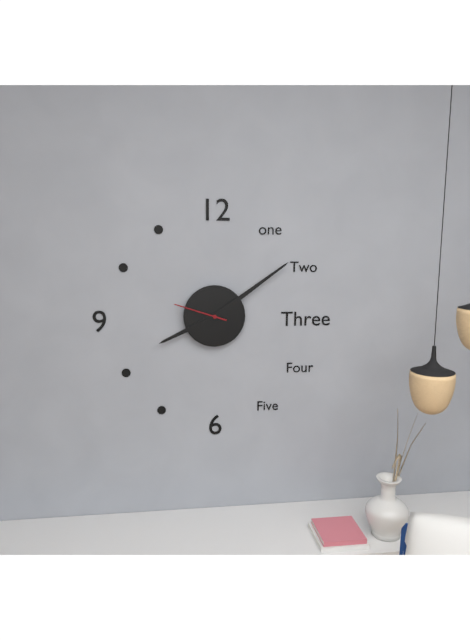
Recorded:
**8:09:48**
